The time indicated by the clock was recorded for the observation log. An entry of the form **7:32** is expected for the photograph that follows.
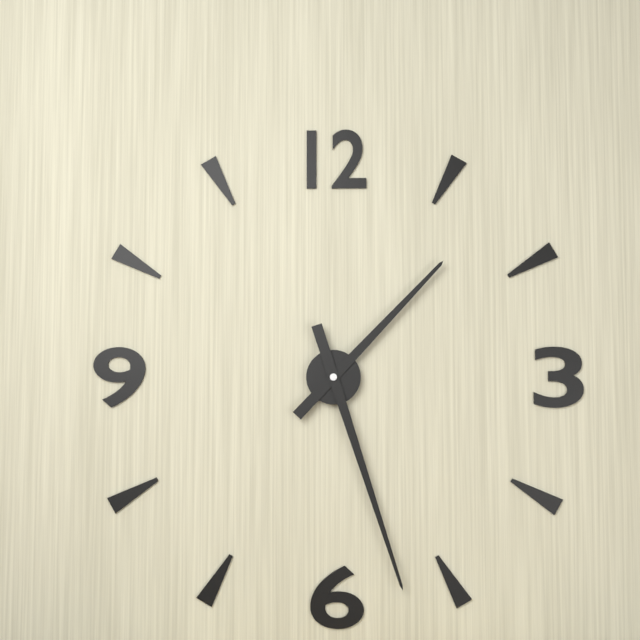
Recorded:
**1:27**
